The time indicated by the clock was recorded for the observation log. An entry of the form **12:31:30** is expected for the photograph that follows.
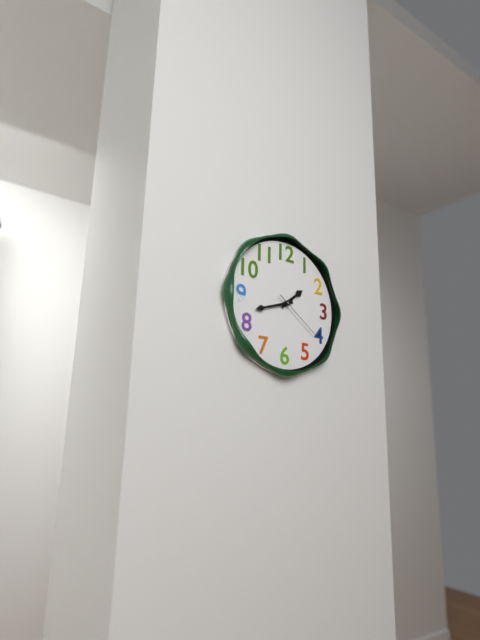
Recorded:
**1:42:21**
